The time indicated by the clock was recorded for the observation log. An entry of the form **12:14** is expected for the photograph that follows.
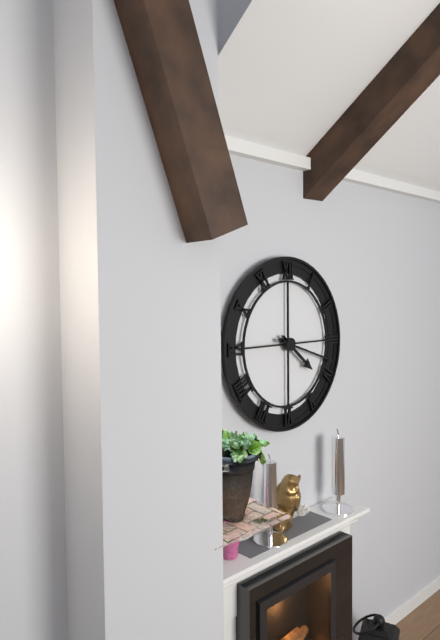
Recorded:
**4:18**
